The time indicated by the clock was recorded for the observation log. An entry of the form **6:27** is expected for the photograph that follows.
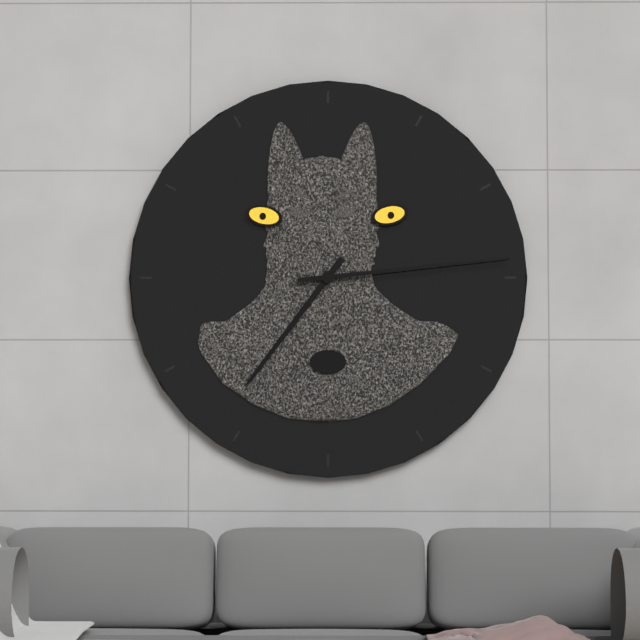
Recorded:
**7:14**
